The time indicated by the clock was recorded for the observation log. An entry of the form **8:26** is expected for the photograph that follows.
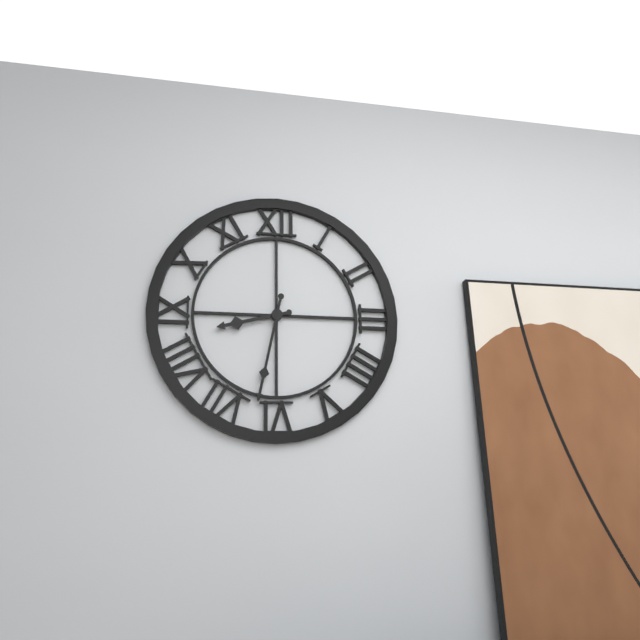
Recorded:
**8:32**
